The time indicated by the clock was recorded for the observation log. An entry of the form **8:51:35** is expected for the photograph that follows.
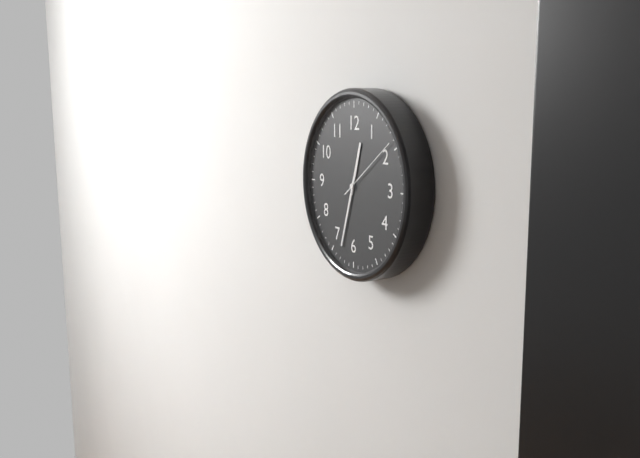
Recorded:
**12:33:09**
